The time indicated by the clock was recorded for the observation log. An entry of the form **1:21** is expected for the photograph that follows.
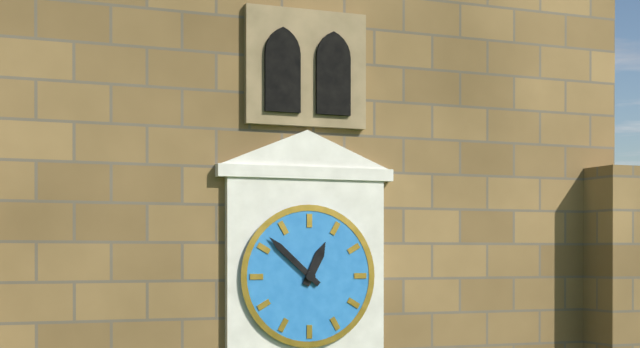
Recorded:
**12:52**
